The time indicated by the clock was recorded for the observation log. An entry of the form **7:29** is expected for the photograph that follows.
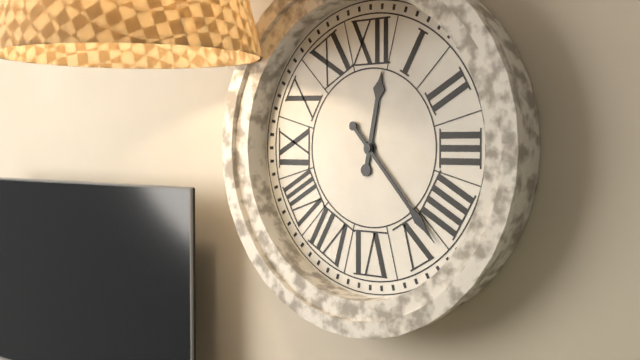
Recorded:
**12:23**
